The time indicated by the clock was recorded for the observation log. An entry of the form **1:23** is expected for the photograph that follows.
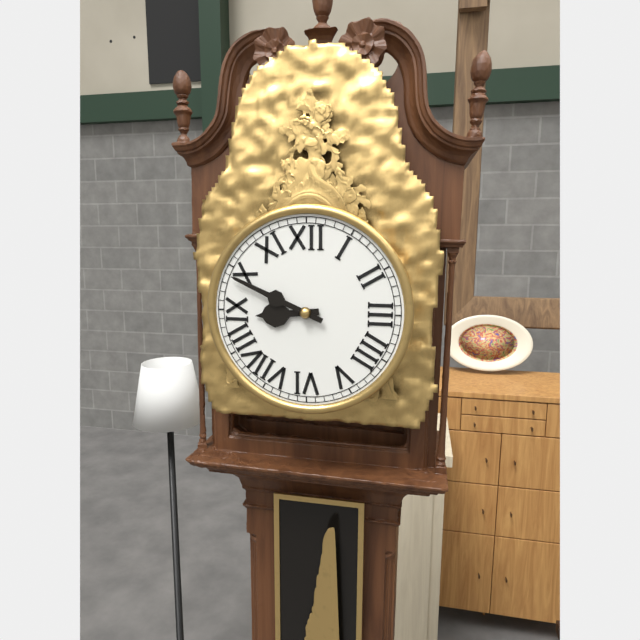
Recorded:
**8:49**
